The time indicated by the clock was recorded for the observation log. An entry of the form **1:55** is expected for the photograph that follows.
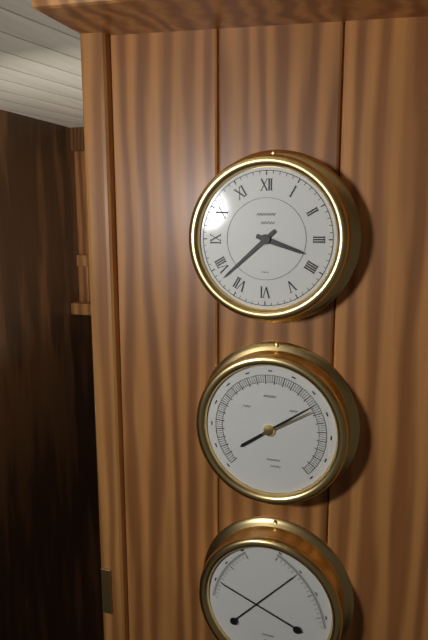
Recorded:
**3:38**
